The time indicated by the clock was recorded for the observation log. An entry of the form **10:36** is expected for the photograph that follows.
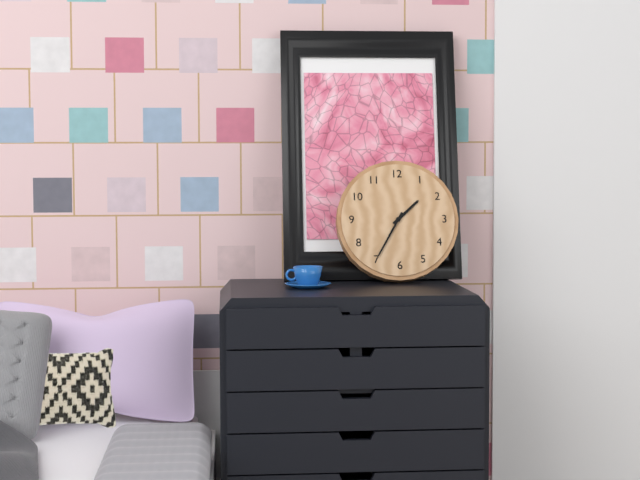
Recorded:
**1:35**
